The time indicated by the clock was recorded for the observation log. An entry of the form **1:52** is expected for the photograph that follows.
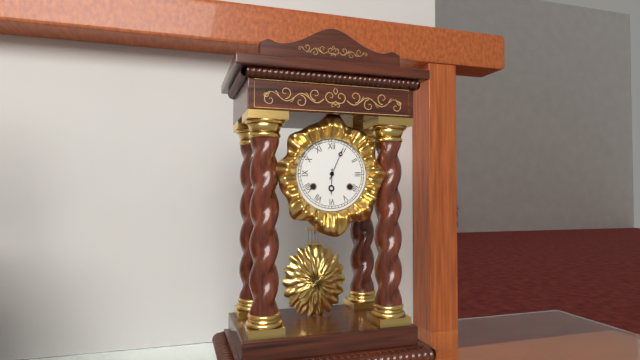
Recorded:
**6:04**
